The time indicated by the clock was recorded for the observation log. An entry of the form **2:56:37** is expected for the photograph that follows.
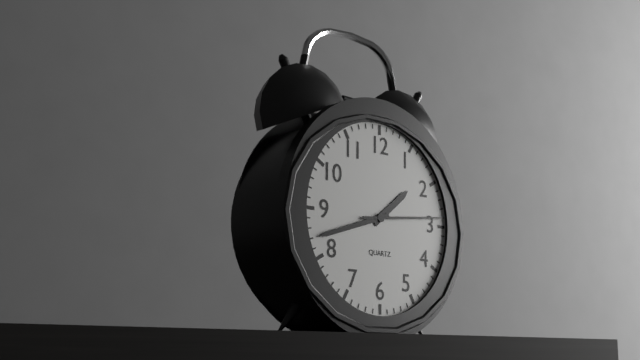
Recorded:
**1:42:14**
